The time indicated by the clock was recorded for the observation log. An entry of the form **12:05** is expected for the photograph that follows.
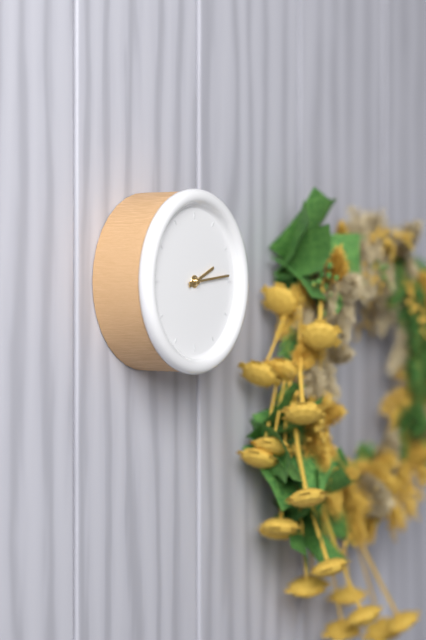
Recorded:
**2:14**
